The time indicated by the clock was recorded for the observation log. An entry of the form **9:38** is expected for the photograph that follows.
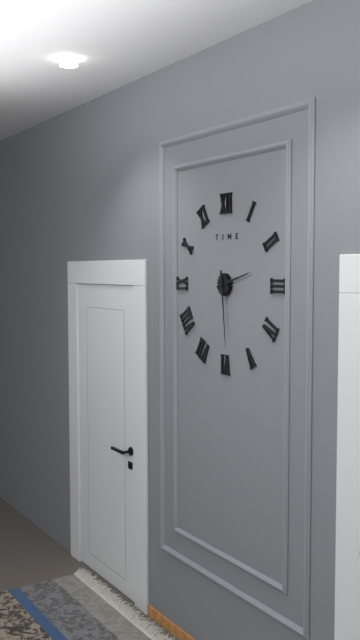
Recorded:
**2:29**
